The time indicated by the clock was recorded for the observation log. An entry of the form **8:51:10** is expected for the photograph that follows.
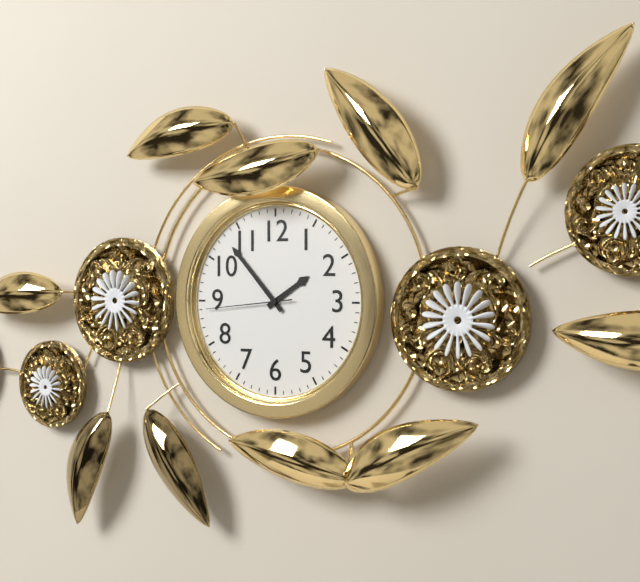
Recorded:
**1:53:44**
